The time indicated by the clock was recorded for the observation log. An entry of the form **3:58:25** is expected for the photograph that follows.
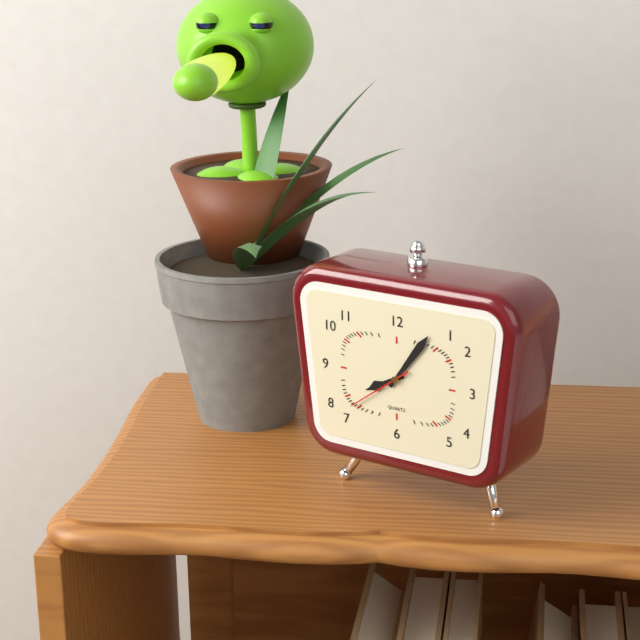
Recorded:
**8:06:39**
